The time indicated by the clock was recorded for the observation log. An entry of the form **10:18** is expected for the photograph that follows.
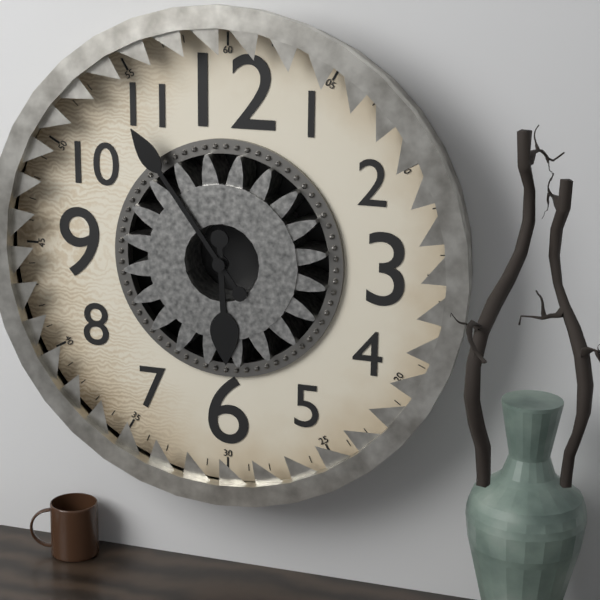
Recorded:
**5:54**
